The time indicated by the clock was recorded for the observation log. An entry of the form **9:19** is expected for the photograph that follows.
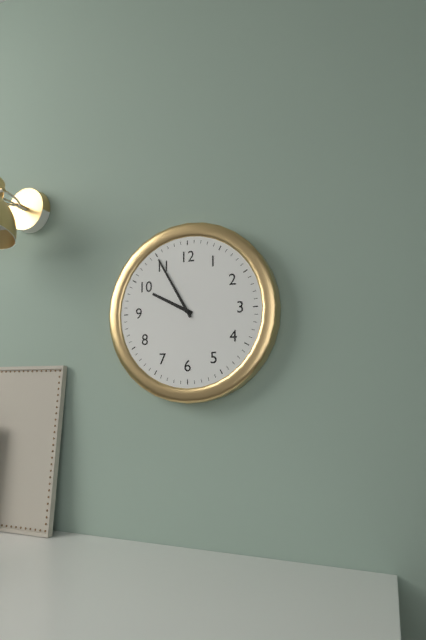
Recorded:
**9:55**
